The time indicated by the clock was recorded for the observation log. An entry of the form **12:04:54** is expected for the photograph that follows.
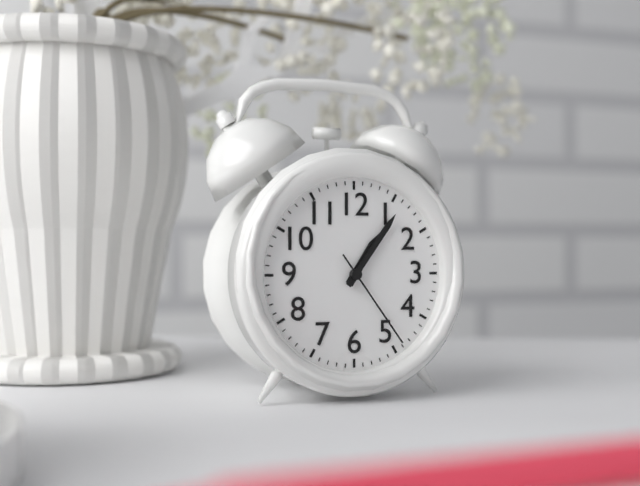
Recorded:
**1:06:24**
